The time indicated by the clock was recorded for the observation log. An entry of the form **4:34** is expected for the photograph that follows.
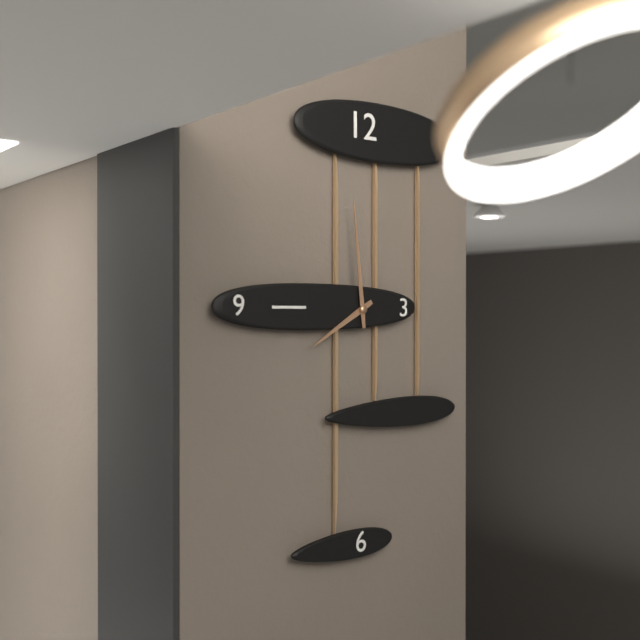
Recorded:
**7:59**
